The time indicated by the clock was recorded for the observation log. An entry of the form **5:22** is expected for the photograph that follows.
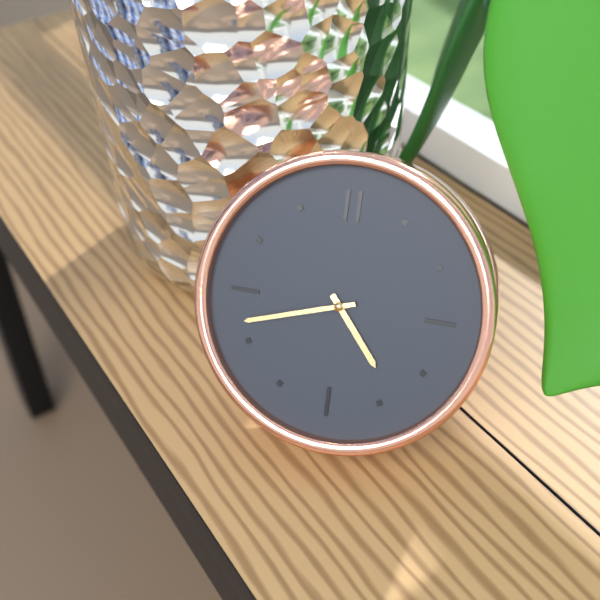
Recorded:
**4:42**
